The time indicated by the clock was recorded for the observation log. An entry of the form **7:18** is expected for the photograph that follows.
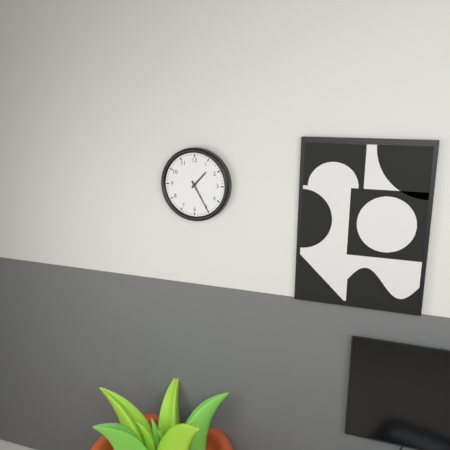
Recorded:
**1:25**
